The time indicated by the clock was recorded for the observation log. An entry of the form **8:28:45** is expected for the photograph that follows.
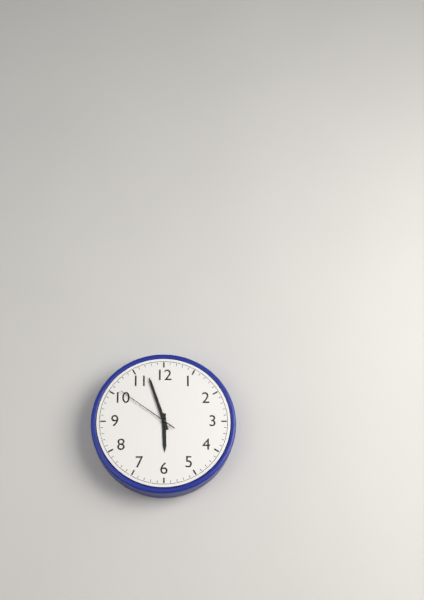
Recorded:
**5:57:51**
